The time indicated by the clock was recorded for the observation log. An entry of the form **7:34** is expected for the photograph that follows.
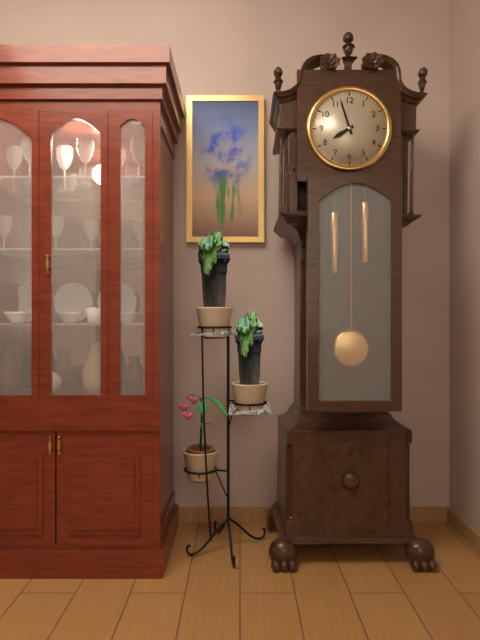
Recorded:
**7:57**
